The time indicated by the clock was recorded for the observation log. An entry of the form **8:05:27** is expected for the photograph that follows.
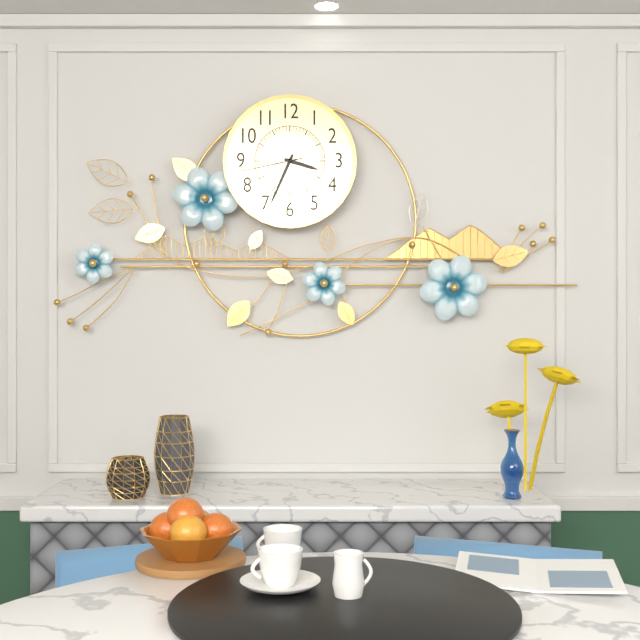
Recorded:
**3:34:43**
